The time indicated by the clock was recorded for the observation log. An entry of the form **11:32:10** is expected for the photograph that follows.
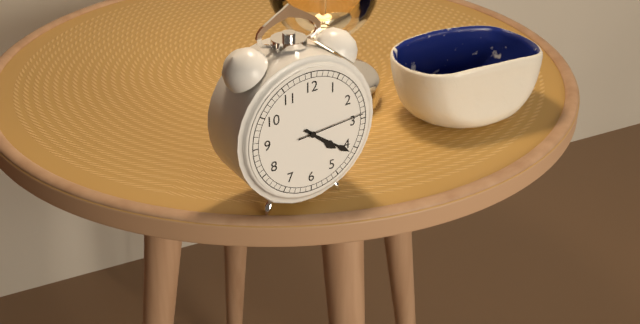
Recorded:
**4:21:14**
